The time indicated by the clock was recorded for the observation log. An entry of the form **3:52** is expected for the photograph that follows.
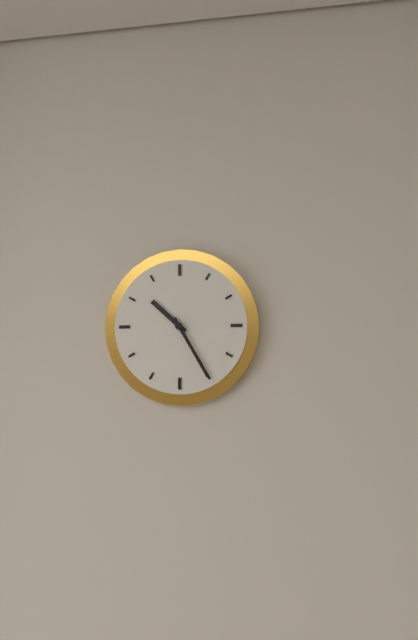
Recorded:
**10:25**
